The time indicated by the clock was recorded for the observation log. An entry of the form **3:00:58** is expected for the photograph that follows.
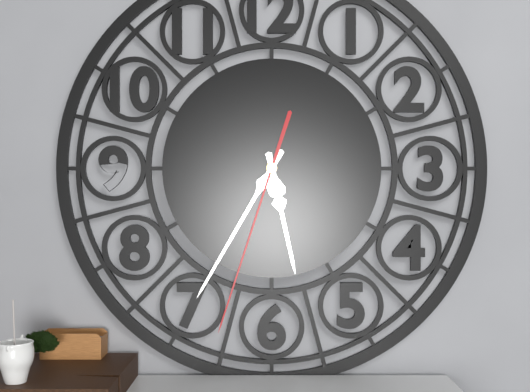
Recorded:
**5:35:33**
